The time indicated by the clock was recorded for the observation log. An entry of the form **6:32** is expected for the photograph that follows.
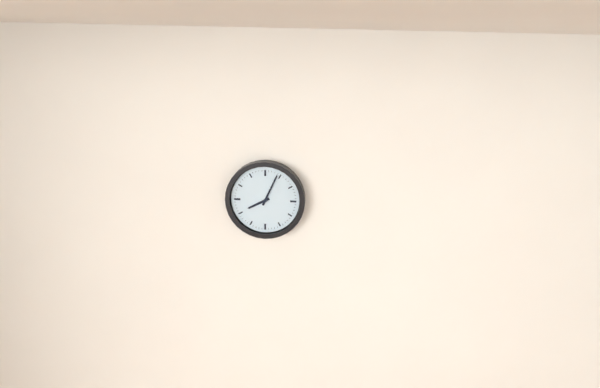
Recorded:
**8:04**
